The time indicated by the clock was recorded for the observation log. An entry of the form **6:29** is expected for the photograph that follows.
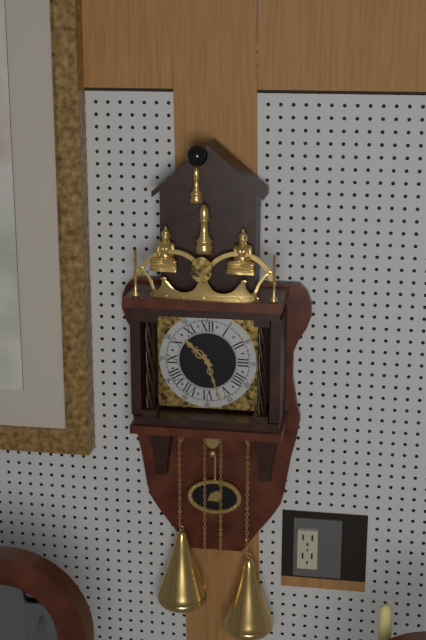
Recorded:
**10:27**
